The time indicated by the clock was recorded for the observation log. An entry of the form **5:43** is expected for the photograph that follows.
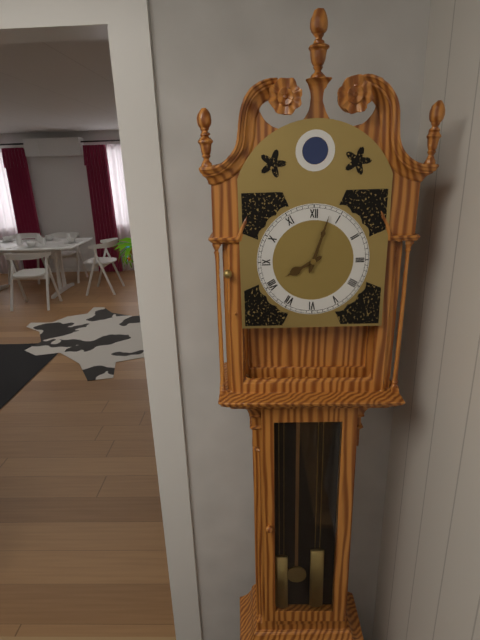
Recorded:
**8:03**
